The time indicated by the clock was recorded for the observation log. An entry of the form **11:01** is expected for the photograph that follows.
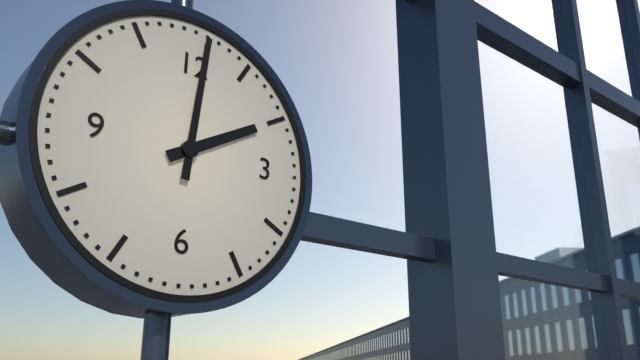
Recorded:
**2:01**
